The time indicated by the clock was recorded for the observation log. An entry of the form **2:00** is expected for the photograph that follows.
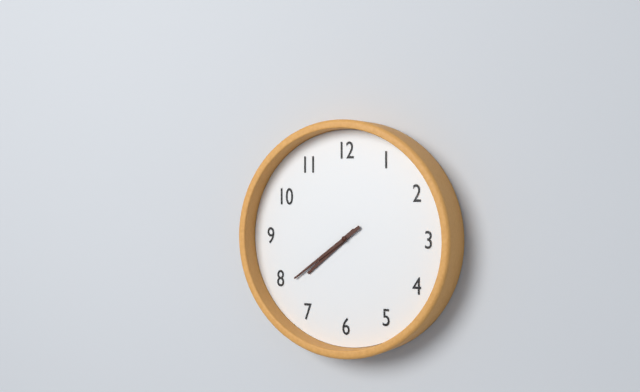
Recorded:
**7:39**
